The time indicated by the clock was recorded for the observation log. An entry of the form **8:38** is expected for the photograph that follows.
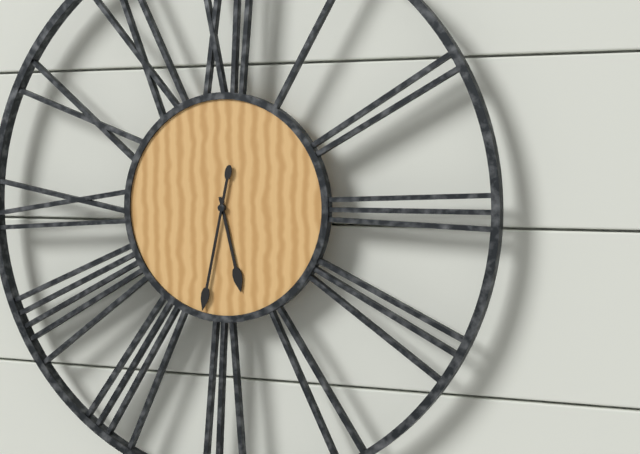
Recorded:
**5:32**
